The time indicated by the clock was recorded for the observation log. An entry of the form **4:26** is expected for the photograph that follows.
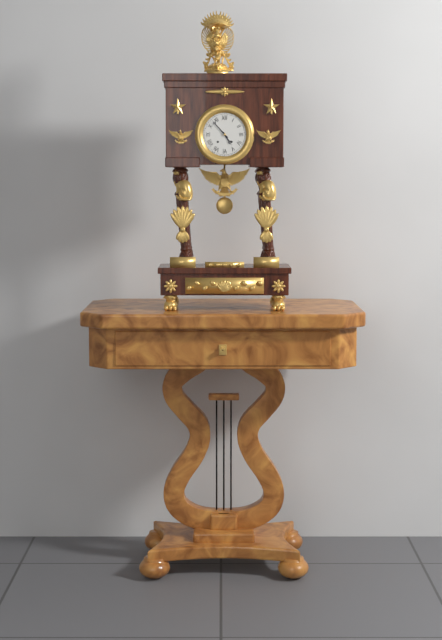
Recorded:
**4:53**
